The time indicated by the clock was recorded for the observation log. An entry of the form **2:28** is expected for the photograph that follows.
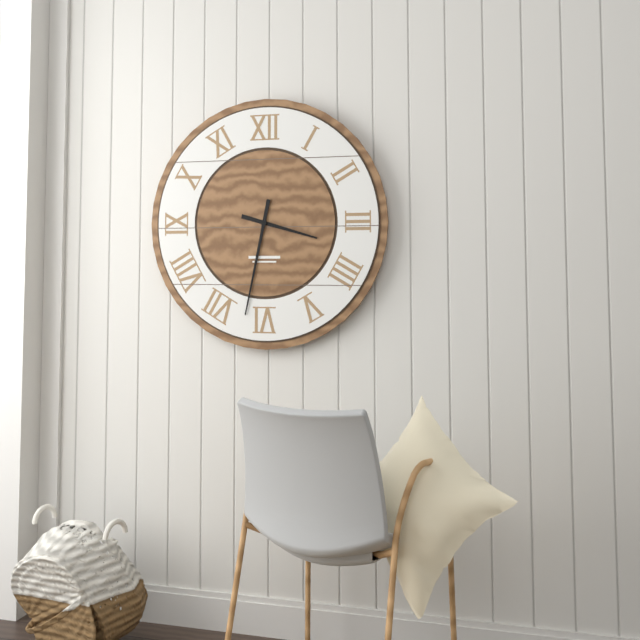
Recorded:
**3:32**
